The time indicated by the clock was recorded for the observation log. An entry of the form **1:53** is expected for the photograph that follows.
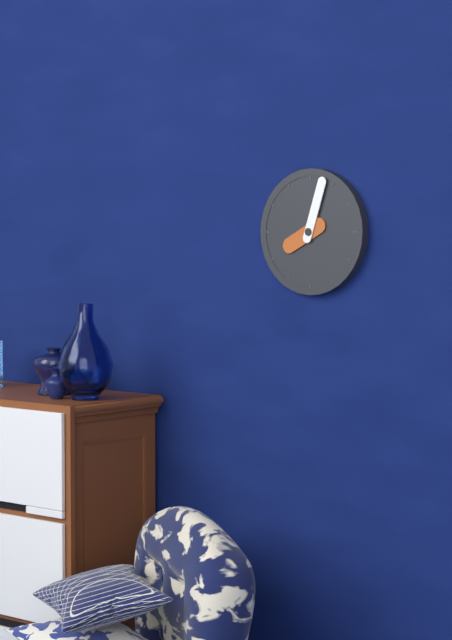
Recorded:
**8:03**
